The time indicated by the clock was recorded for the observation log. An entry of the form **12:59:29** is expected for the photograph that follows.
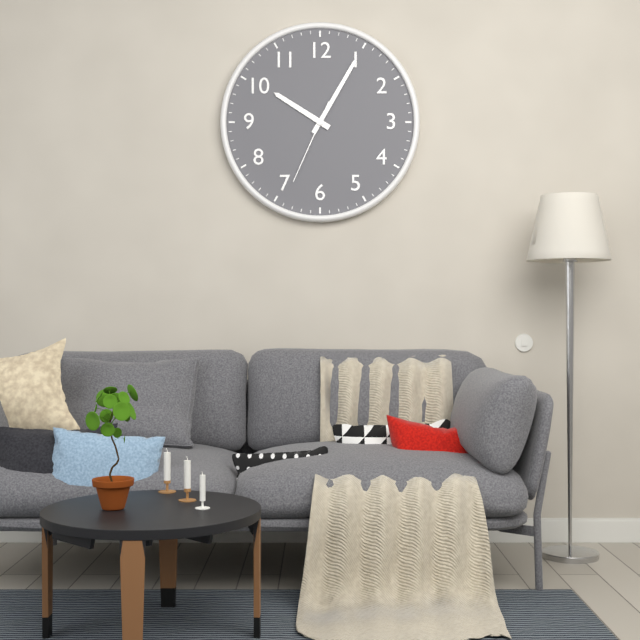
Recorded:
**10:05:34**
